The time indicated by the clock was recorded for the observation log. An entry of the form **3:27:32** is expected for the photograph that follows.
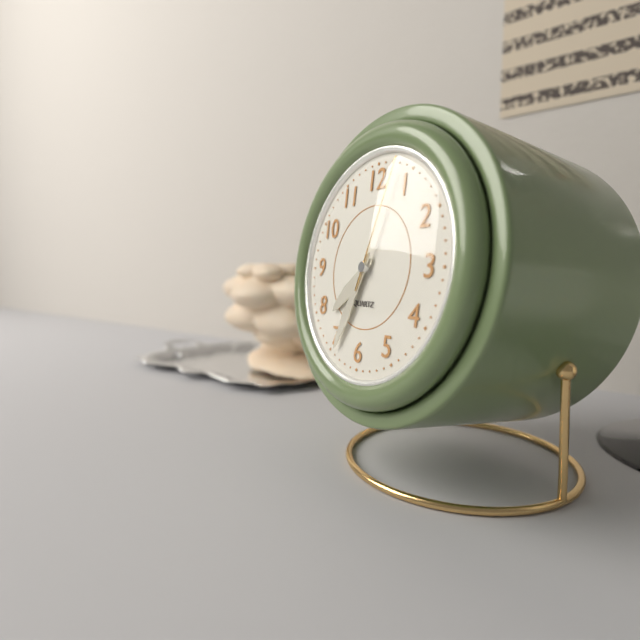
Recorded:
**7:34:03**
